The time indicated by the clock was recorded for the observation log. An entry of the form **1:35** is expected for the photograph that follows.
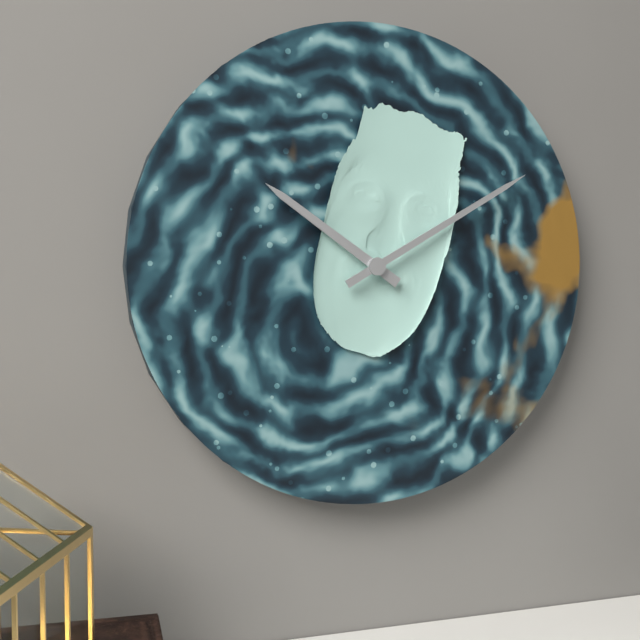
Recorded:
**10:10**
